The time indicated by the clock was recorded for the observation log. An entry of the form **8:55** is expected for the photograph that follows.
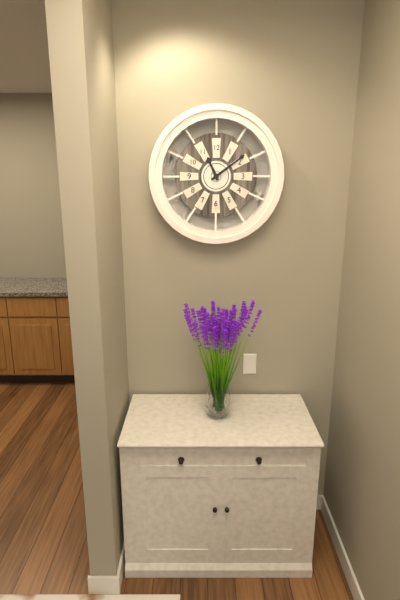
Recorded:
**11:09**
